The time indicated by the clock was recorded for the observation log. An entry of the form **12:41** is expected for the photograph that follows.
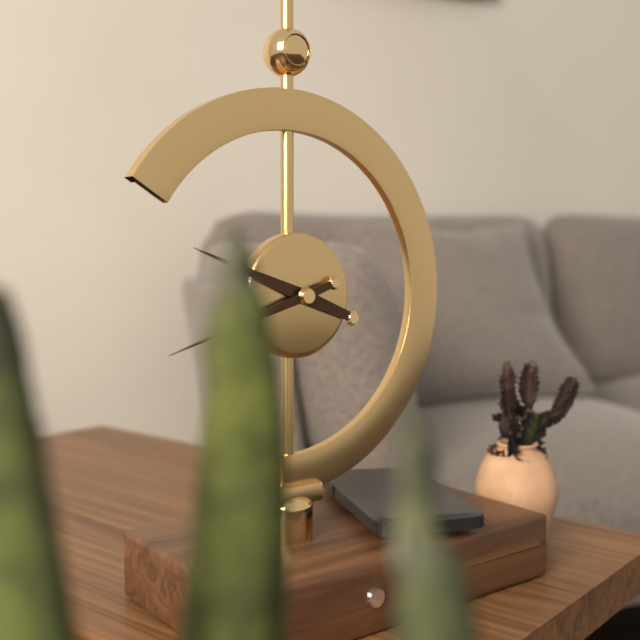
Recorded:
**9:42**
